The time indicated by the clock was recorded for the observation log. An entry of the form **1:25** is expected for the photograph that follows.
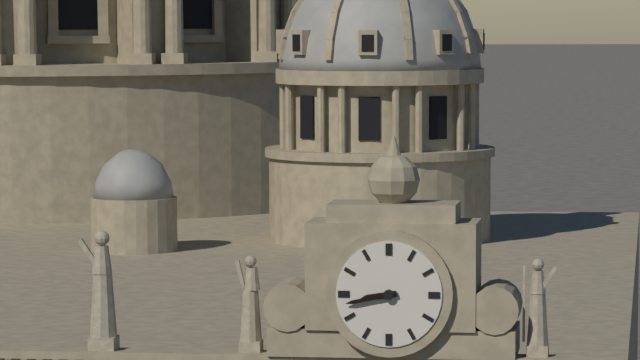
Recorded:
**8:43**
